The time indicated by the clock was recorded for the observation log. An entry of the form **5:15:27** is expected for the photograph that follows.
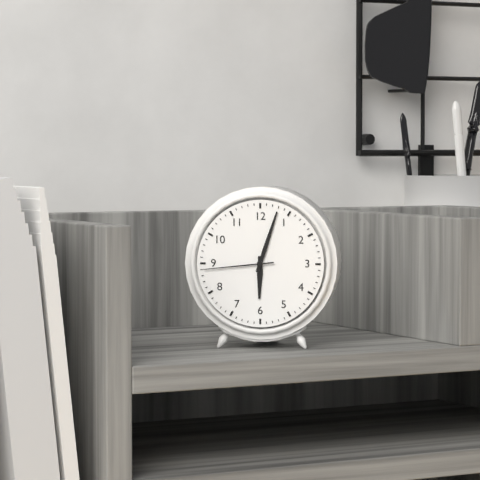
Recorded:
**6:03:44**
